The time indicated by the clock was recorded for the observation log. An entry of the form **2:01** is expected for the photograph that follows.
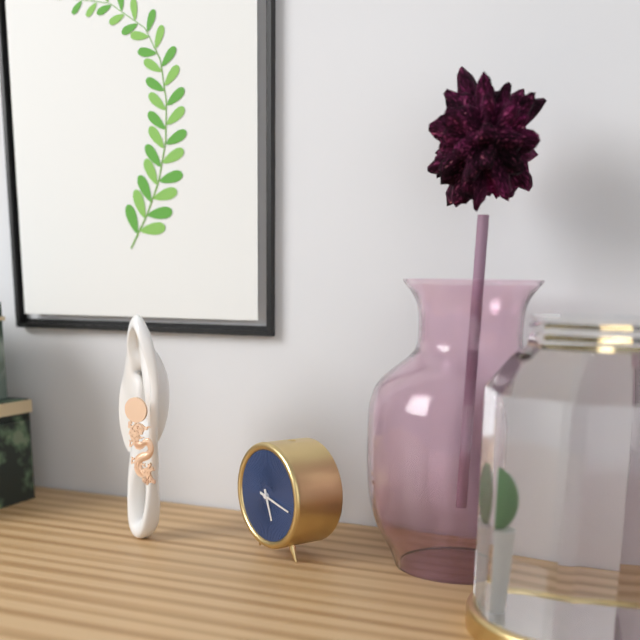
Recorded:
**5:17**
